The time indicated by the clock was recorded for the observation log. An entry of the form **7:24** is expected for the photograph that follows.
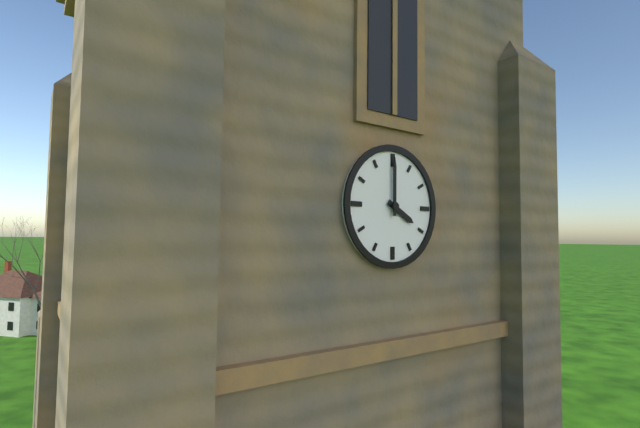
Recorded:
**4:00**
